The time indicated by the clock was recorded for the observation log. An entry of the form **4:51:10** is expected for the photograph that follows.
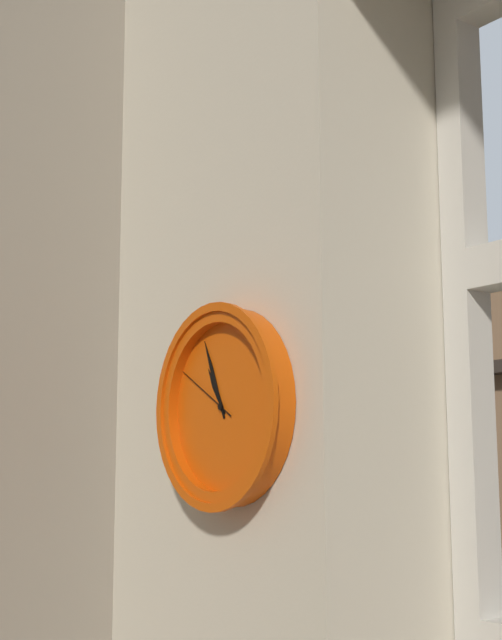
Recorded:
**10:56:50**
